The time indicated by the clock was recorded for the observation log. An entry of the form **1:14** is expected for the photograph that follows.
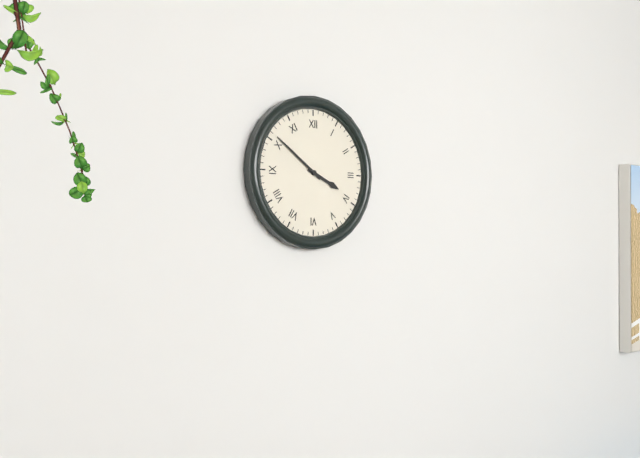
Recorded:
**3:51**
